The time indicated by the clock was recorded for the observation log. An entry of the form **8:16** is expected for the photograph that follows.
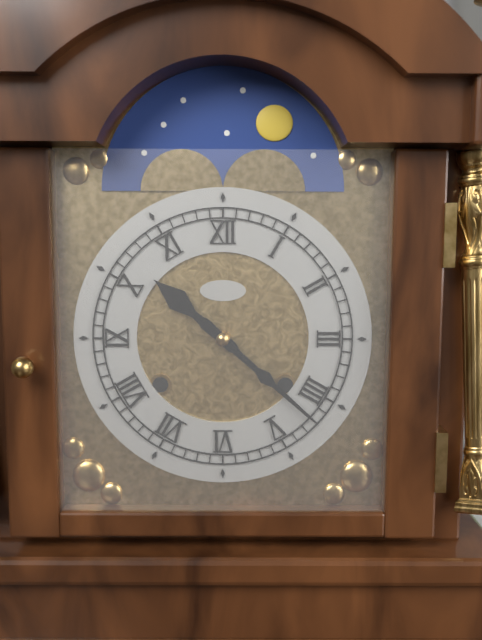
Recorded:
**10:22**
